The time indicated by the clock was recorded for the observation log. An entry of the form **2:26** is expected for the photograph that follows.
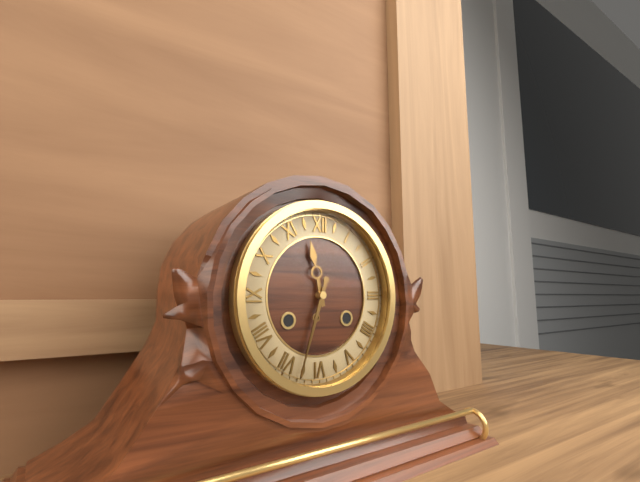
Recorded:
**11:33**
